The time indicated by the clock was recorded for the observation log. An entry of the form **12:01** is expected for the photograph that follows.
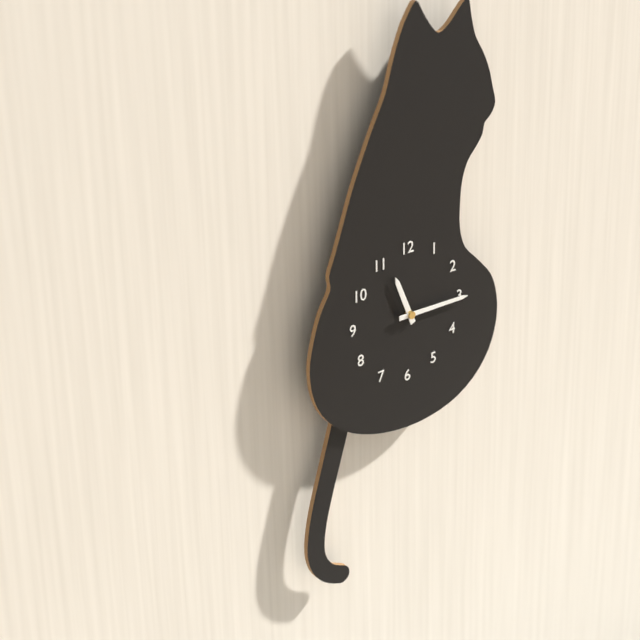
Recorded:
**11:15**
